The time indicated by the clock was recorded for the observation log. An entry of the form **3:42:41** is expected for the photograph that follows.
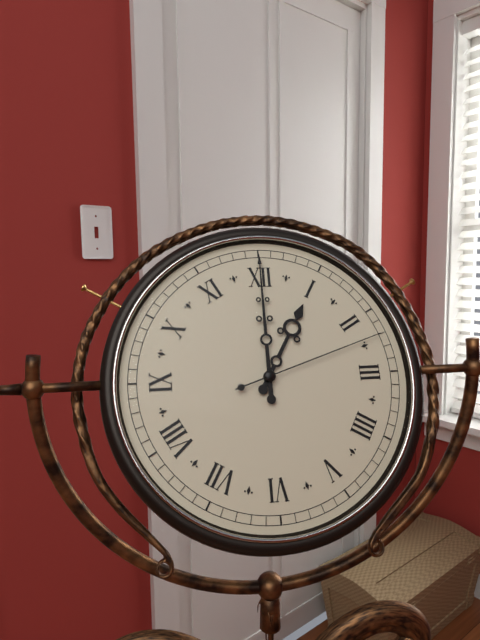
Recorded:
**1:00:12**
